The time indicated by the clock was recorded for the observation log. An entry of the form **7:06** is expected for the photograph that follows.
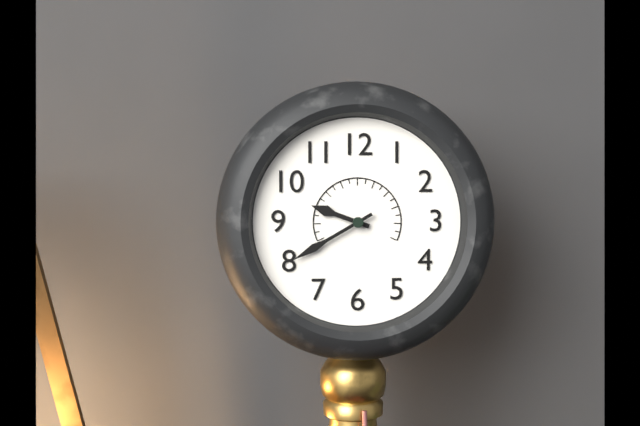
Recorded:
**9:40**
